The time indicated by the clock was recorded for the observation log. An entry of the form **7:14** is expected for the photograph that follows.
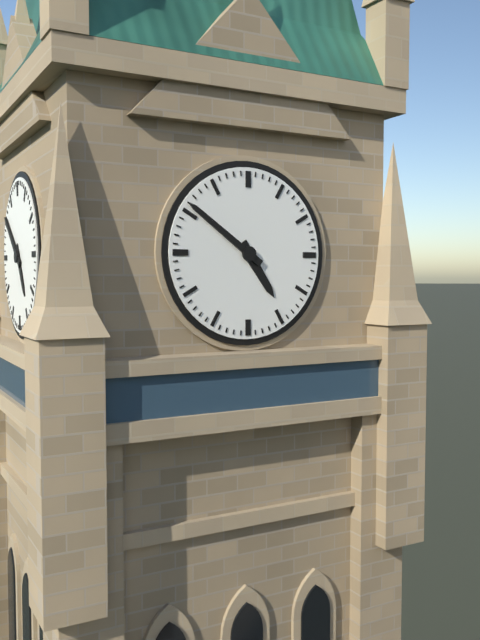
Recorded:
**4:51**
